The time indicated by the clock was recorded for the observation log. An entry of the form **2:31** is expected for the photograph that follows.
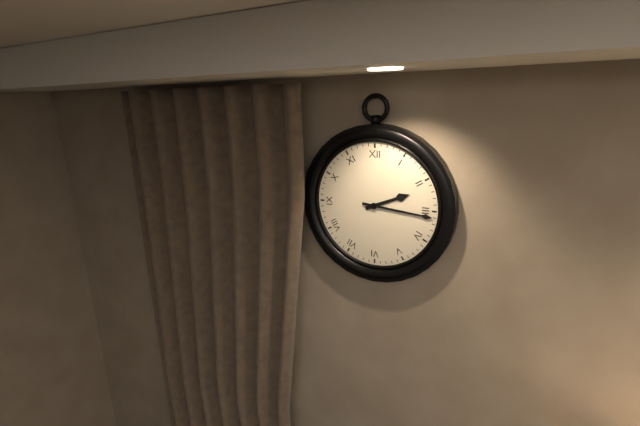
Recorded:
**2:16**
